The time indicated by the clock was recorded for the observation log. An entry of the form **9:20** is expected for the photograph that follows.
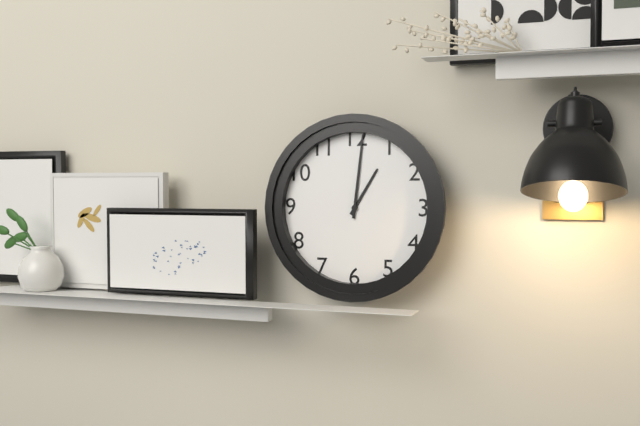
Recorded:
**1:01**
